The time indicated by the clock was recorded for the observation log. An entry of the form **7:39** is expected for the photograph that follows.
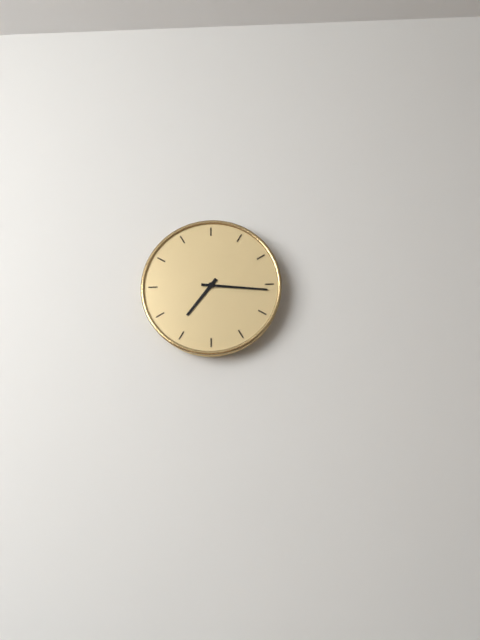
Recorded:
**7:16**
